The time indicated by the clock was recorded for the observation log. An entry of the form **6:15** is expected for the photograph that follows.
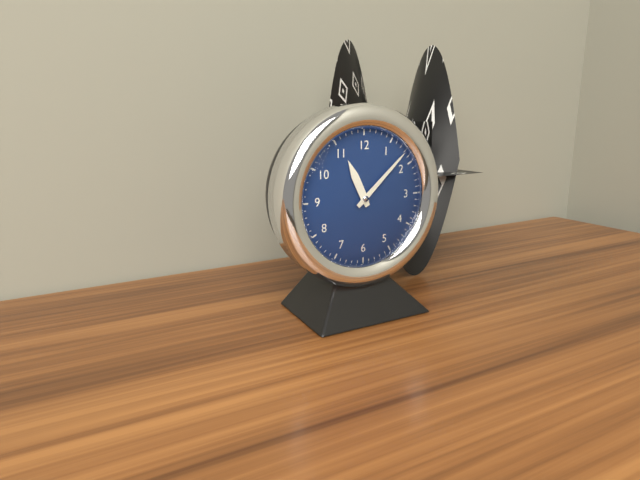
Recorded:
**11:08**
